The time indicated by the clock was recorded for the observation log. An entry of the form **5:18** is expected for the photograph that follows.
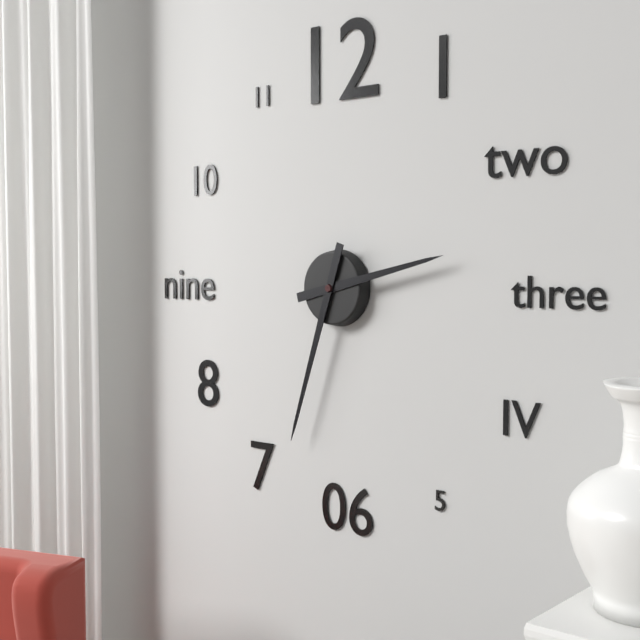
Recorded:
**2:33**
